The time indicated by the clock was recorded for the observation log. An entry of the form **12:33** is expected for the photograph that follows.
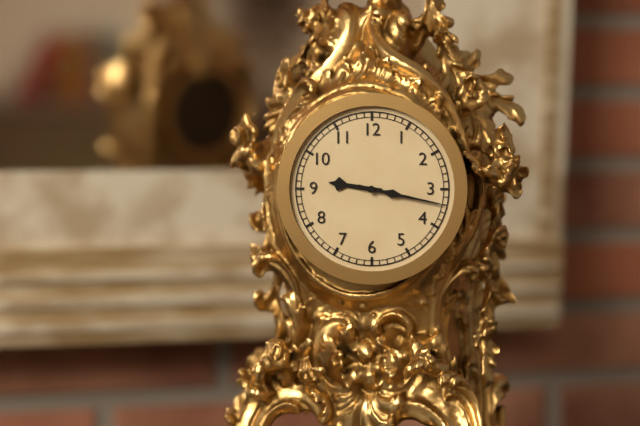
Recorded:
**9:17**
